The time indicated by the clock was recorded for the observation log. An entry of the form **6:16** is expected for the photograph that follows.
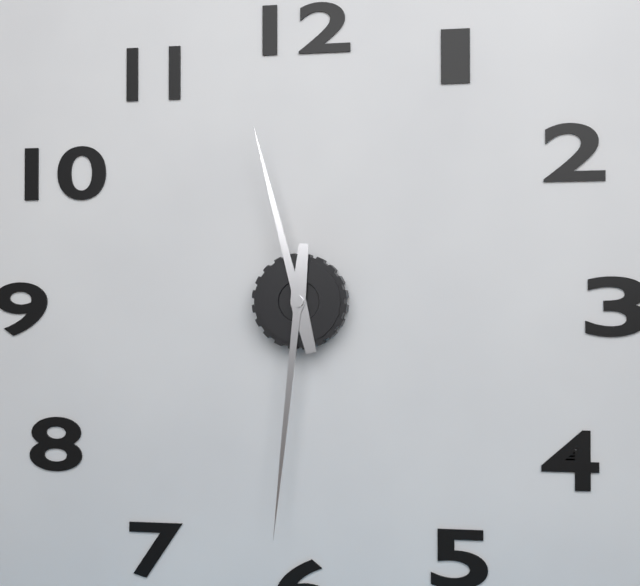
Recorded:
**11:31**
